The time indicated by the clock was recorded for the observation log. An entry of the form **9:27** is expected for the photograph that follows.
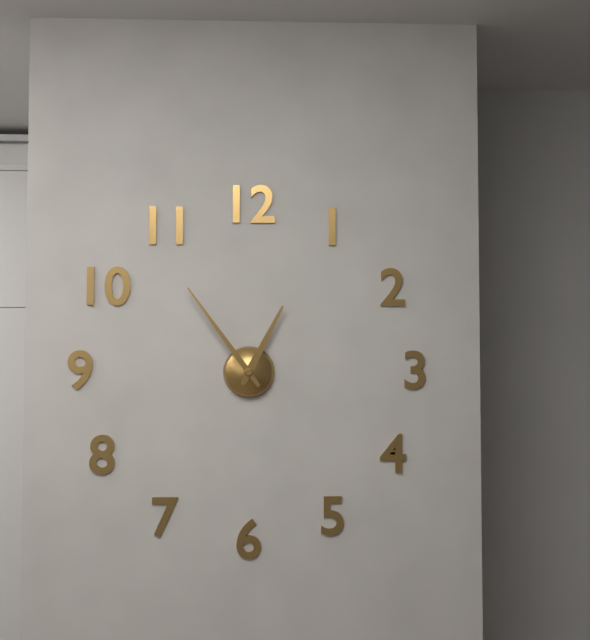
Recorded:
**12:54**
